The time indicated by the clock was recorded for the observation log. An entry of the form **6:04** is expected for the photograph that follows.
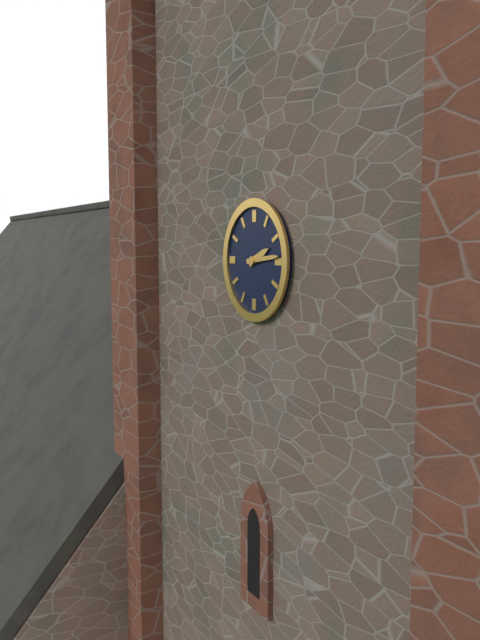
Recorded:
**2:14**
